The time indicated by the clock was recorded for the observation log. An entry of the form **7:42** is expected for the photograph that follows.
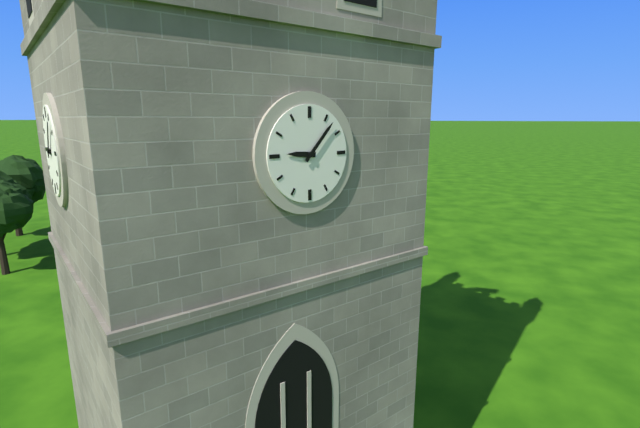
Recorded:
**9:07**
